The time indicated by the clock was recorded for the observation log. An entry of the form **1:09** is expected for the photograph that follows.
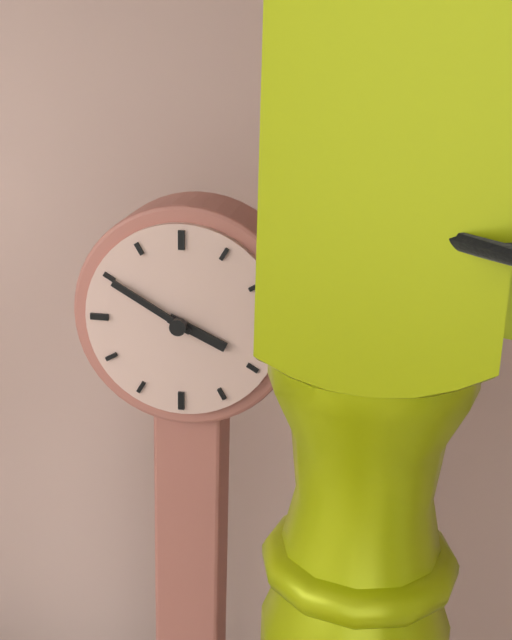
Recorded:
**3:50**
